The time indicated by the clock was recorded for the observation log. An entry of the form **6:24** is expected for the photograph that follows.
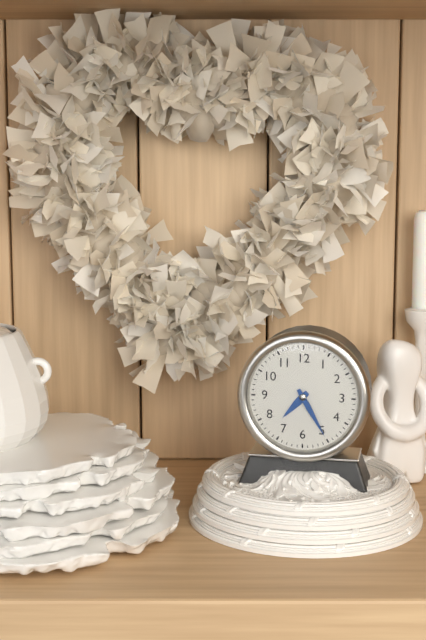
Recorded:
**7:25**
